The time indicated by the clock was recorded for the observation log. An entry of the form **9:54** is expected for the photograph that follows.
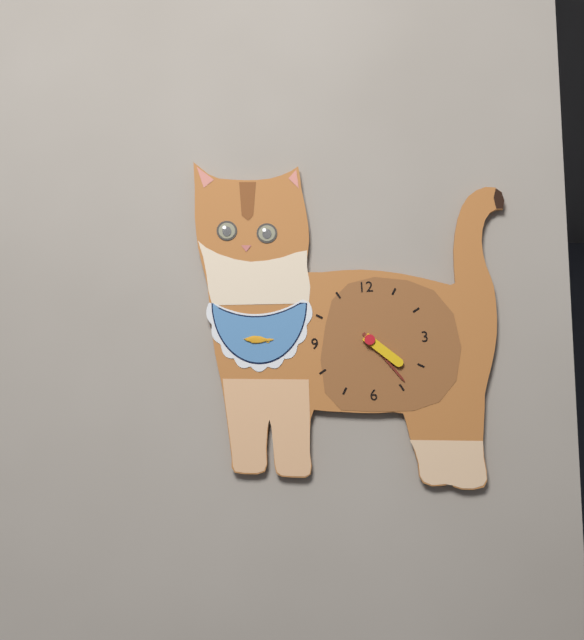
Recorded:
**4:24**
